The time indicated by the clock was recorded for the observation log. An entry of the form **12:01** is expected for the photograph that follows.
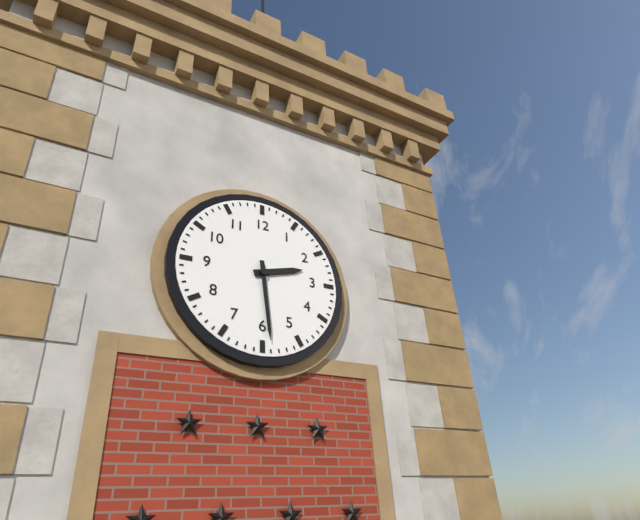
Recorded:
**2:29**
